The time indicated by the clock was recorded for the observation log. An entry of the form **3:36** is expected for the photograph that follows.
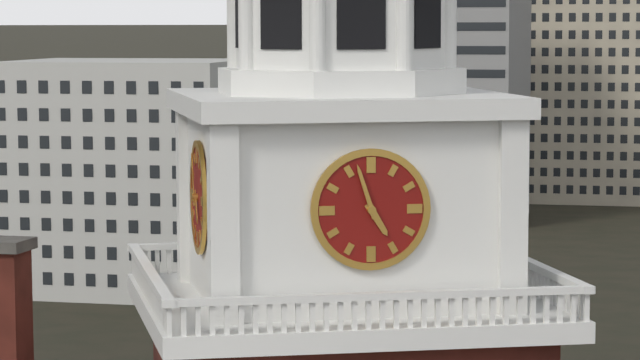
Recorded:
**4:57**
